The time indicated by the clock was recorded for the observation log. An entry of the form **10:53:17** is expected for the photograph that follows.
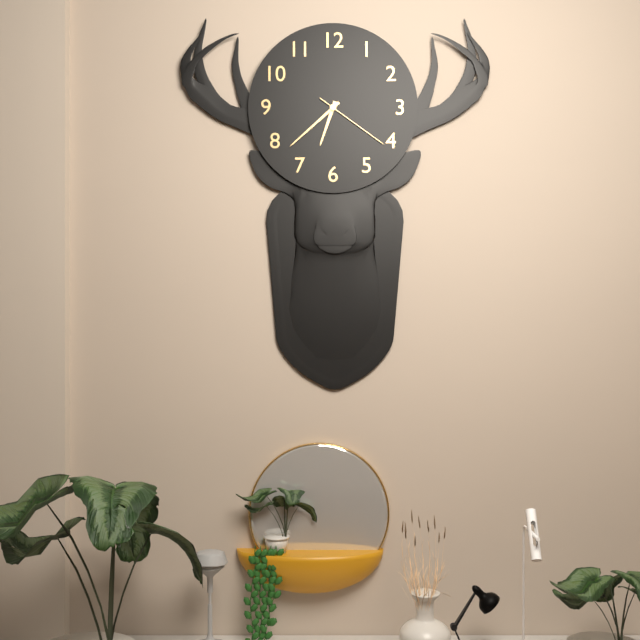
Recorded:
**6:38:21**
